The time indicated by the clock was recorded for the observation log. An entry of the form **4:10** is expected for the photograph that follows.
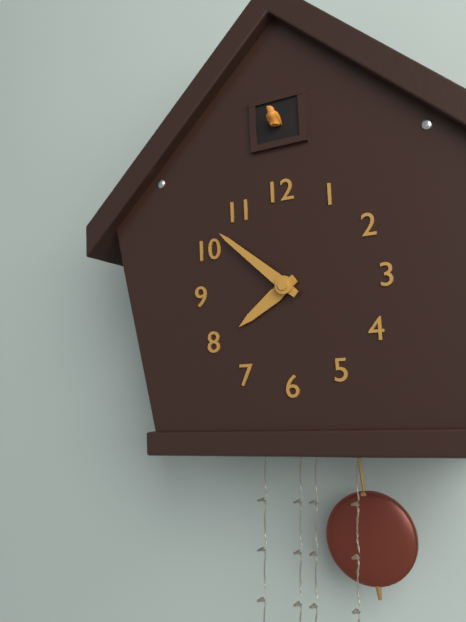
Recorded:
**7:52**
